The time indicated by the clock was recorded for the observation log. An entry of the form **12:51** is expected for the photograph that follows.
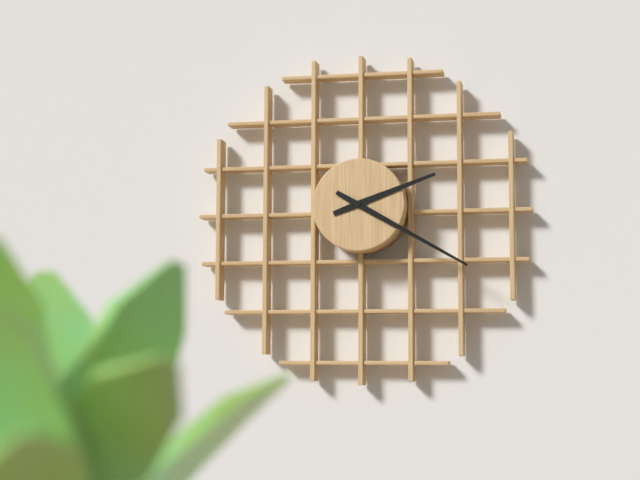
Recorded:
**2:20**
